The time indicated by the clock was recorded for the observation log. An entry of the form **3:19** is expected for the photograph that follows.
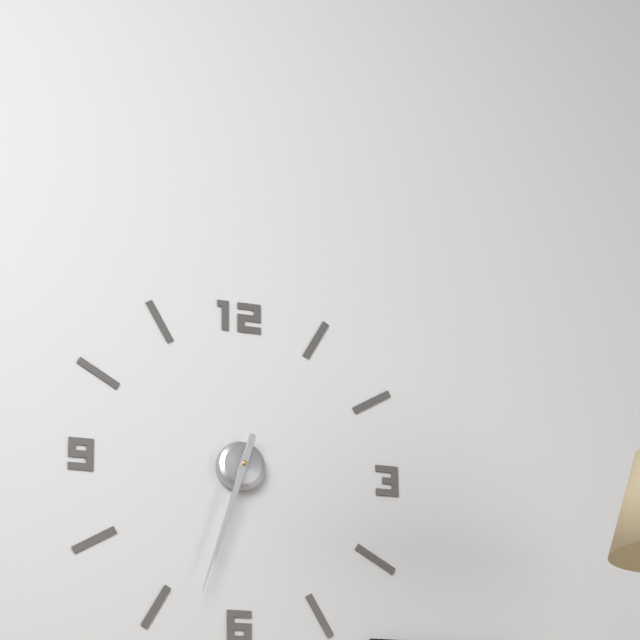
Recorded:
**6:33**
